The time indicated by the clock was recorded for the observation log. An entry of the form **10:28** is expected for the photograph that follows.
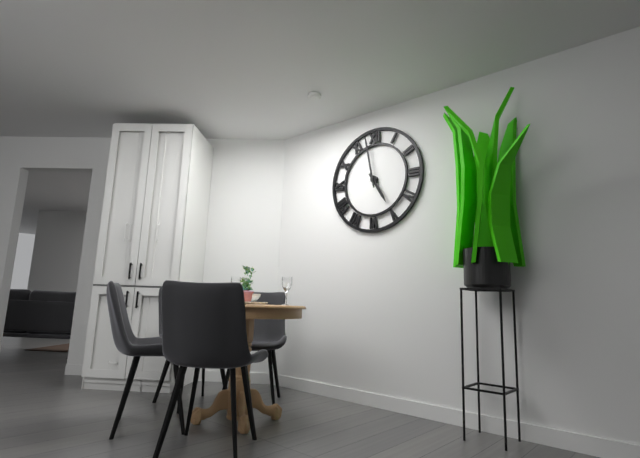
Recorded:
**4:58**
